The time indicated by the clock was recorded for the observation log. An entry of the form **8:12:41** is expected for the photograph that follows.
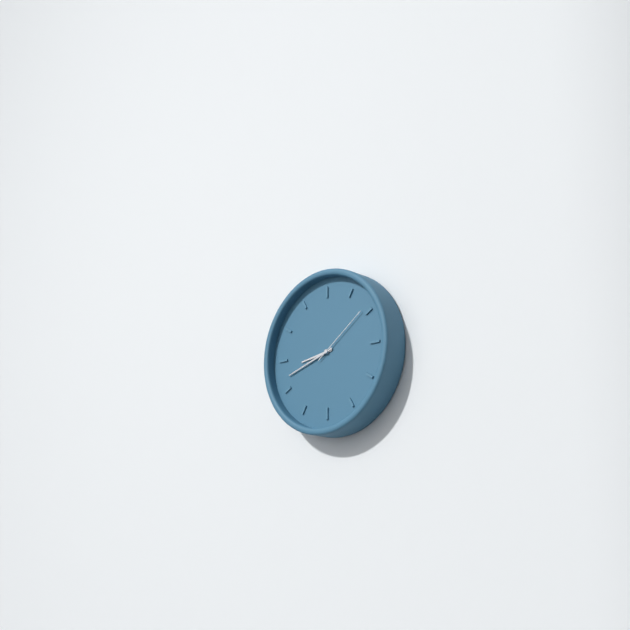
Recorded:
**8:42:09**
